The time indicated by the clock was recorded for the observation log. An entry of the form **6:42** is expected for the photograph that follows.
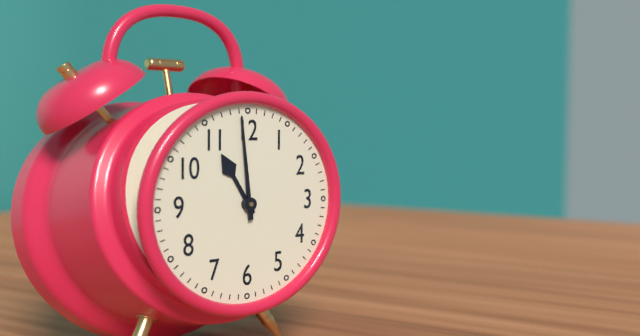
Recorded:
**10:59**
